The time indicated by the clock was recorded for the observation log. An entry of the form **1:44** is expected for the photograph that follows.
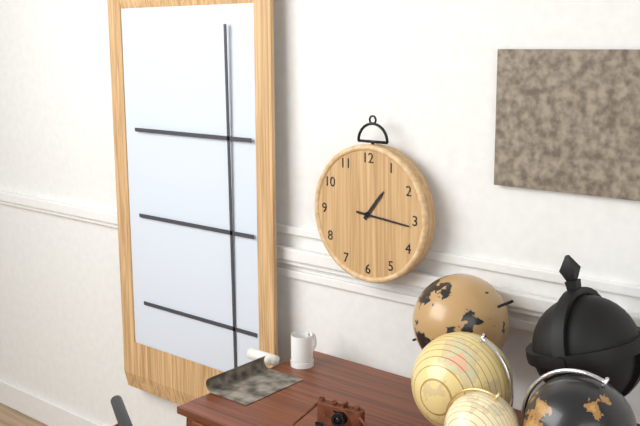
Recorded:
**1:16**
